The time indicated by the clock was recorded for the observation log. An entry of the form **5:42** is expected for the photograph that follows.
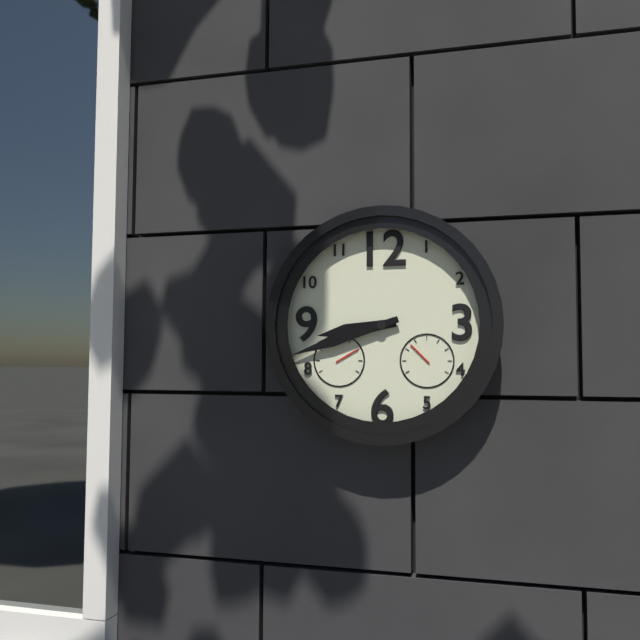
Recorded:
**8:42**
